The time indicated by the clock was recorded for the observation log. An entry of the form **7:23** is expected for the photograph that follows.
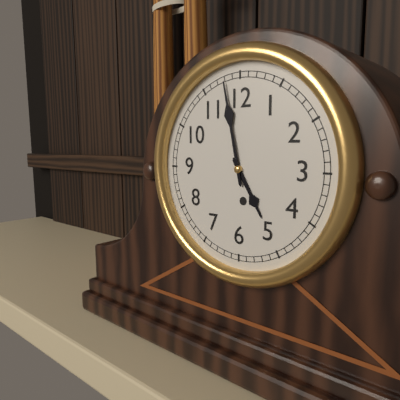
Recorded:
**4:58**
